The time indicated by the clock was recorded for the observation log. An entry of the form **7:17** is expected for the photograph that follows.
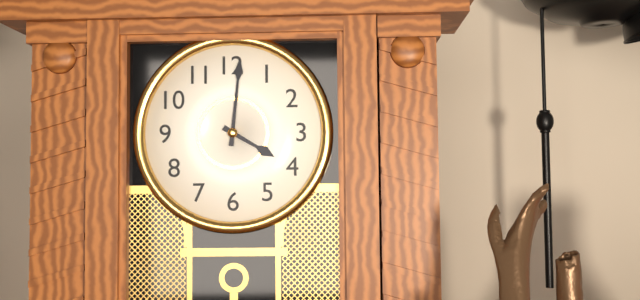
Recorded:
**4:01**
